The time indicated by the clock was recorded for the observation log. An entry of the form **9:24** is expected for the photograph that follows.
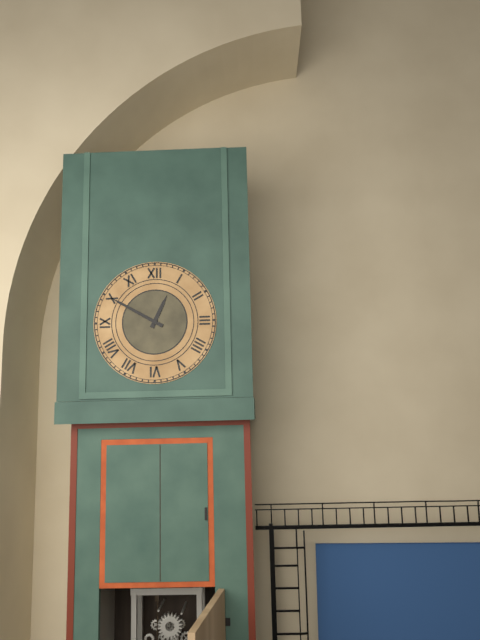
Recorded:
**12:50**
